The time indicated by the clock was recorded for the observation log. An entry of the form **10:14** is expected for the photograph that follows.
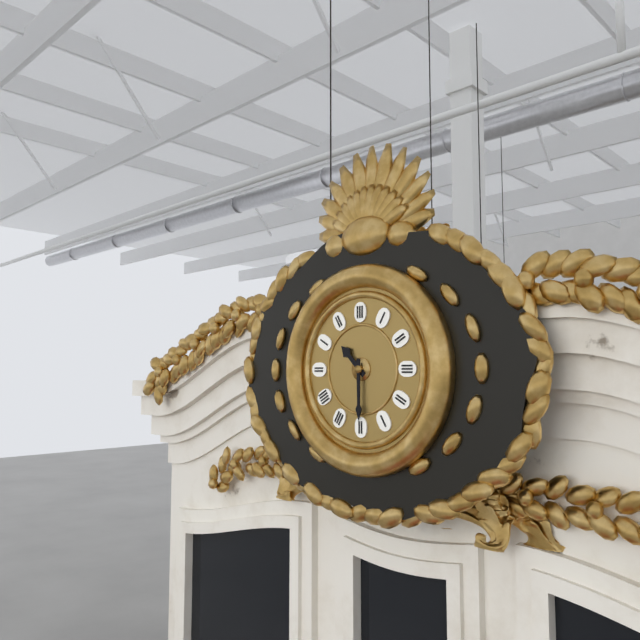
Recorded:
**10:30**
